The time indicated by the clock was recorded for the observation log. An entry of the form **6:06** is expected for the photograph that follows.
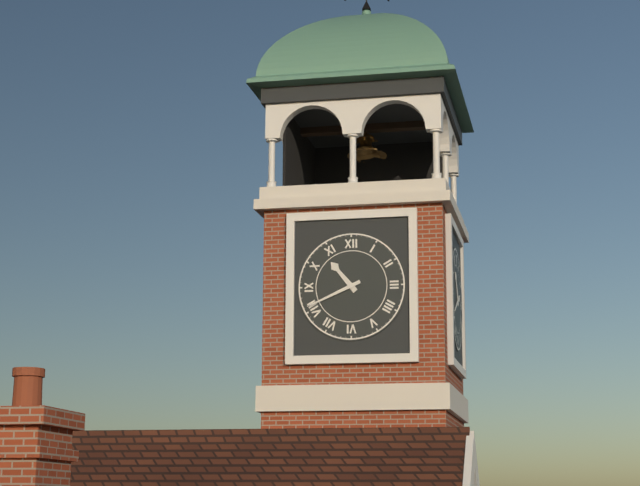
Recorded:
**10:41**
